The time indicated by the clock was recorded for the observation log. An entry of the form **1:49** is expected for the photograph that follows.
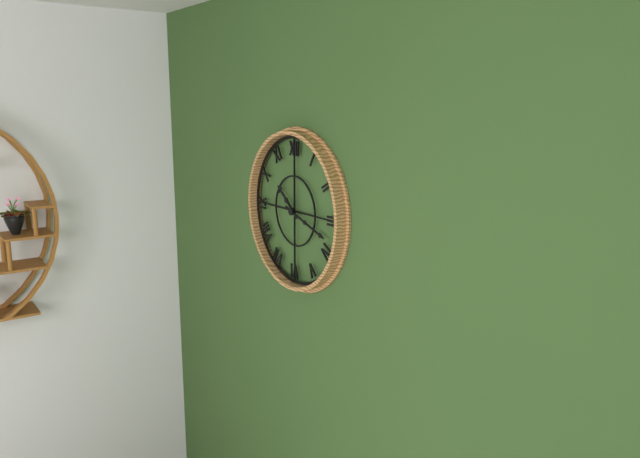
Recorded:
**10:18**
